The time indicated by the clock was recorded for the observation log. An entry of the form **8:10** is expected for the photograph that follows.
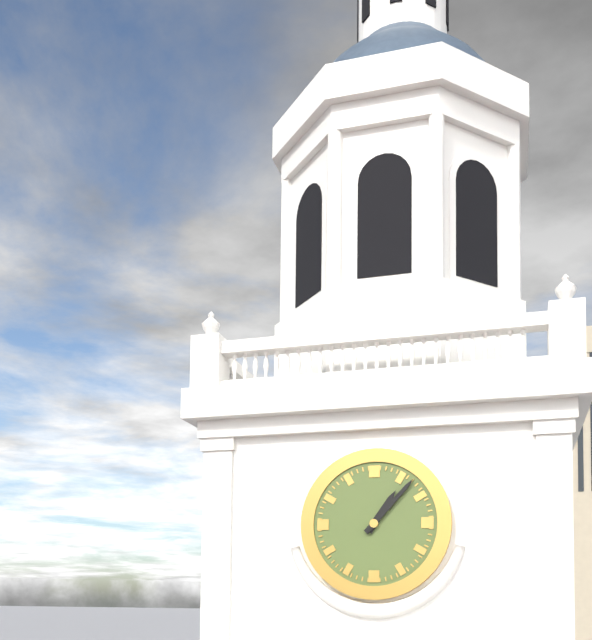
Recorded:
**1:07**
